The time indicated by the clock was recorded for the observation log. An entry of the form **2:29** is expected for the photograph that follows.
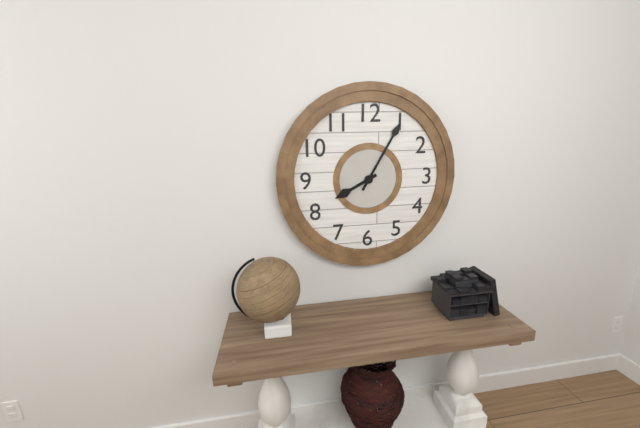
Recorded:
**8:05**
